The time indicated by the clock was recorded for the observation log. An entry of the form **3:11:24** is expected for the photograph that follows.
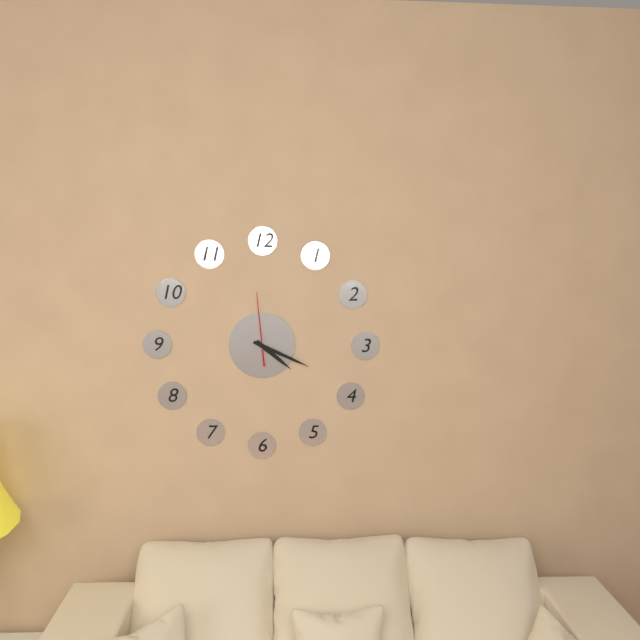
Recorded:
**4:19:59**
